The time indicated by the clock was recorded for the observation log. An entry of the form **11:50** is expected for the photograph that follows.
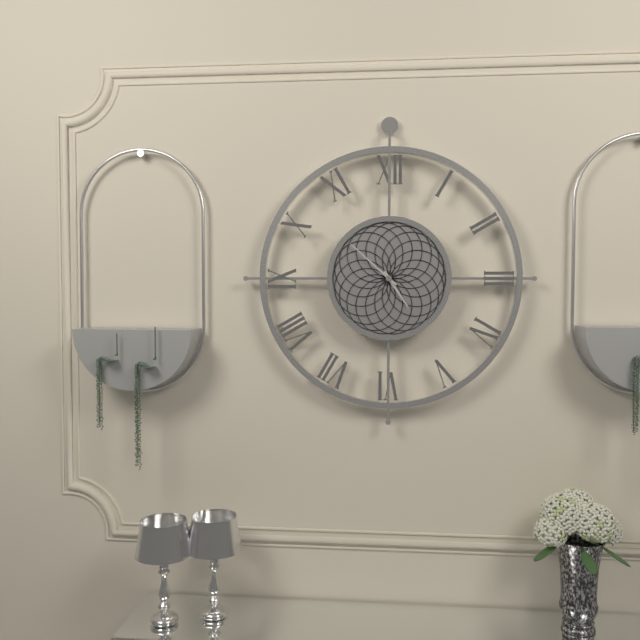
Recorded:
**4:52**
